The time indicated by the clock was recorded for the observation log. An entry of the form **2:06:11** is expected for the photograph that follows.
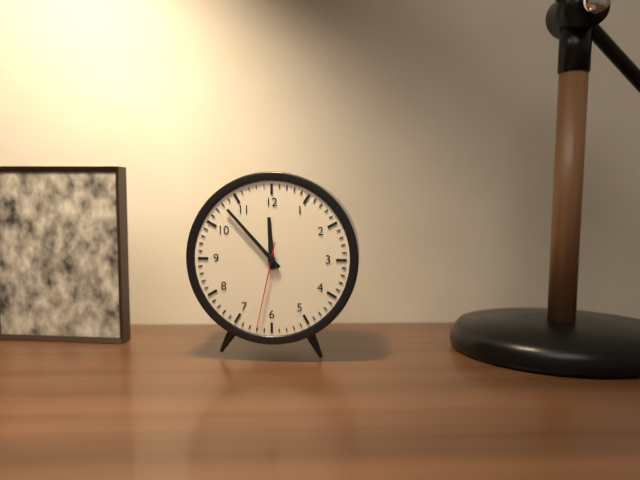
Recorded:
**11:53:32**
